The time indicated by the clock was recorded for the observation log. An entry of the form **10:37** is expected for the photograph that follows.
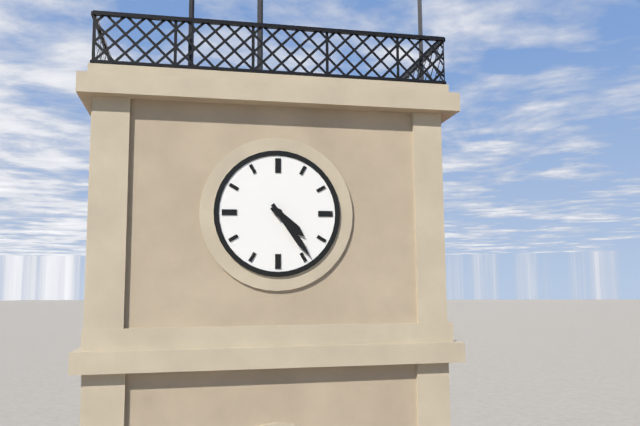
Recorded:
**4:24**
